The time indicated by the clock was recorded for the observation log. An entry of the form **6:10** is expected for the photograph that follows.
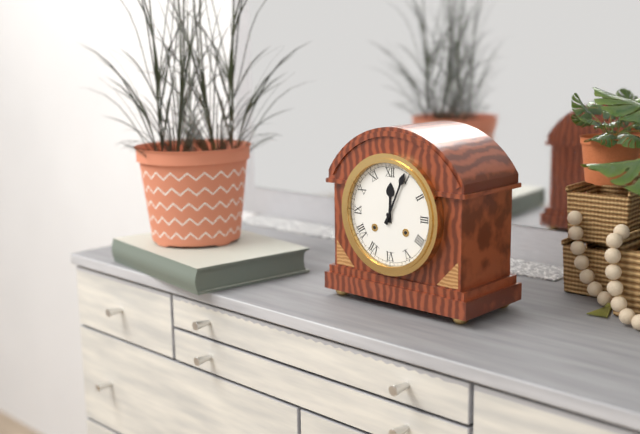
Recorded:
**12:04**
